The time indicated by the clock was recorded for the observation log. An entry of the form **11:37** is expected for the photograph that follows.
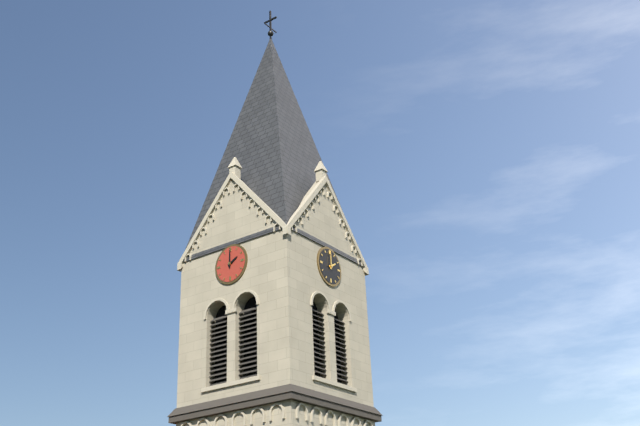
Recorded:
**2:00**
